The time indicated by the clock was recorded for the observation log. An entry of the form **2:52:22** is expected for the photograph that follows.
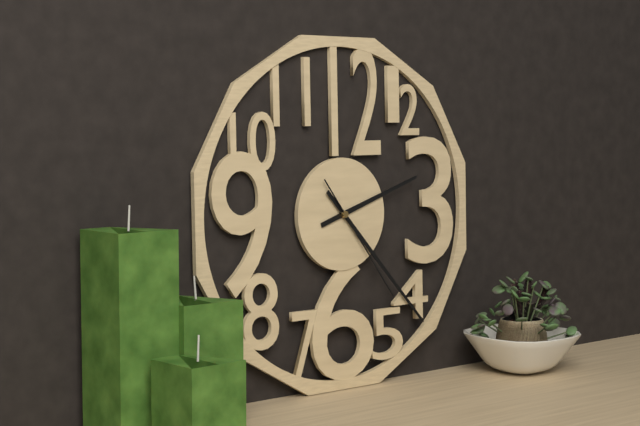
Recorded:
**2:23:24**
